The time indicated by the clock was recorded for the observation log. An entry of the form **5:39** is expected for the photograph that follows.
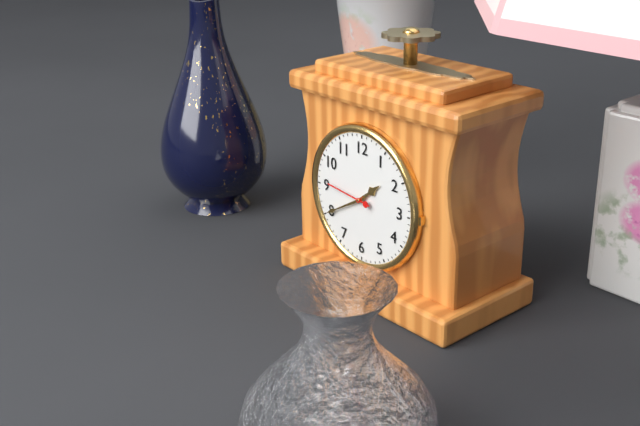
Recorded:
**1:40**
